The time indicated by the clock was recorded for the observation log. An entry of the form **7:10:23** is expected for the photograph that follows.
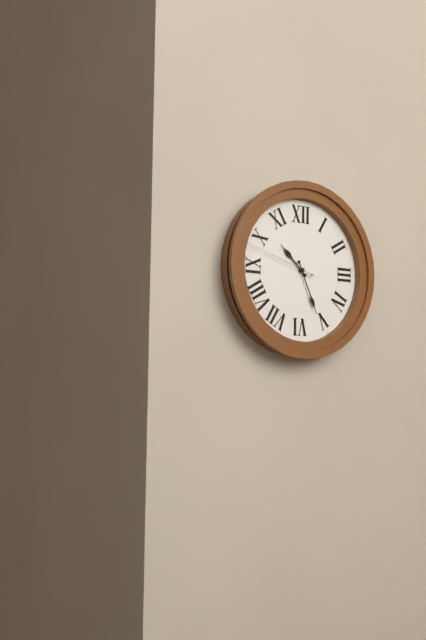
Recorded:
**10:26:48**
